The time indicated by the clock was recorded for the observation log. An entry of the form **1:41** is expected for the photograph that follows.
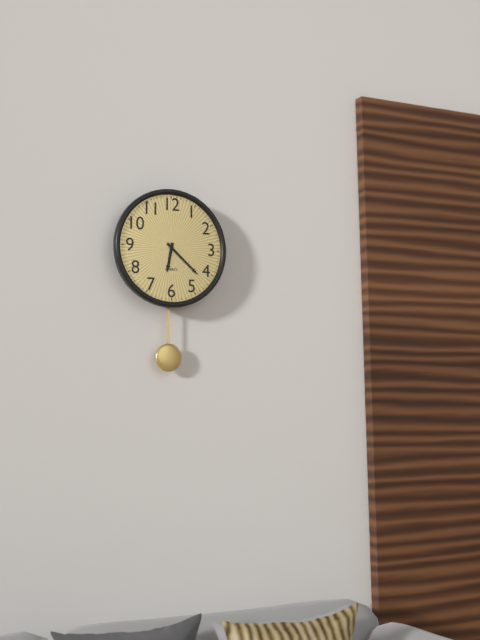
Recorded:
**6:22**
